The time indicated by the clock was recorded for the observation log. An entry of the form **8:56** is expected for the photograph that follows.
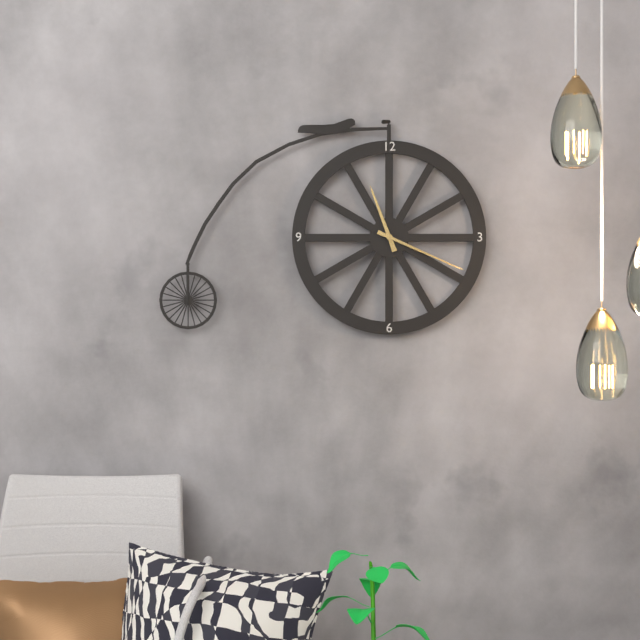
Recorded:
**11:19**
